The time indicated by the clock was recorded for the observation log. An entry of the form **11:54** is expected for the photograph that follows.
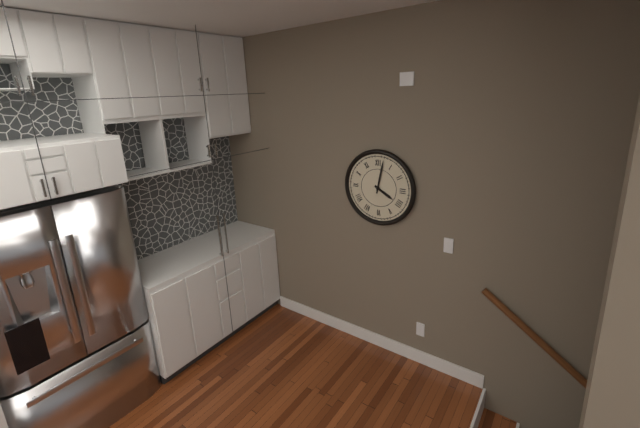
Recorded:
**4:02**
